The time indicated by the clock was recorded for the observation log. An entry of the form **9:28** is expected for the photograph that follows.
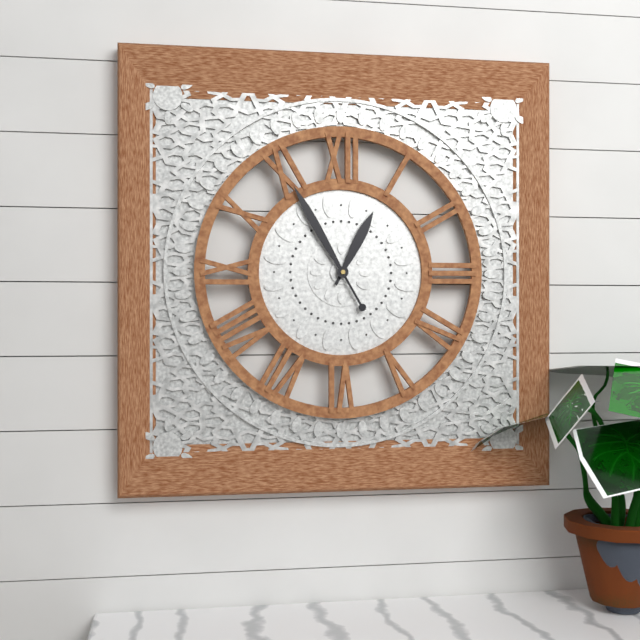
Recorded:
**12:55**
